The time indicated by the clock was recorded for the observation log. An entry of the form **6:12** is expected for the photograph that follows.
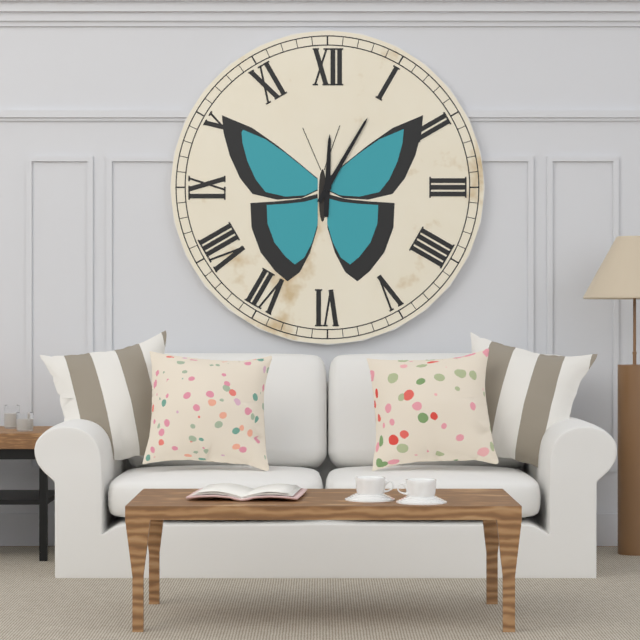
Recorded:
**12:05**
